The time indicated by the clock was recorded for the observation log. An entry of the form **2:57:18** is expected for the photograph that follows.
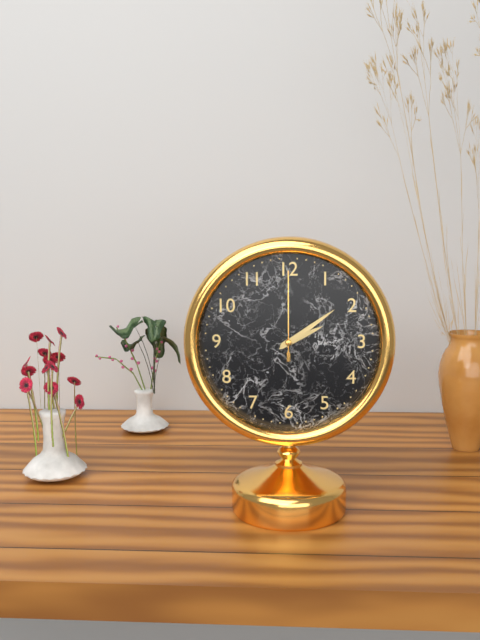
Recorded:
**2:09:00**
